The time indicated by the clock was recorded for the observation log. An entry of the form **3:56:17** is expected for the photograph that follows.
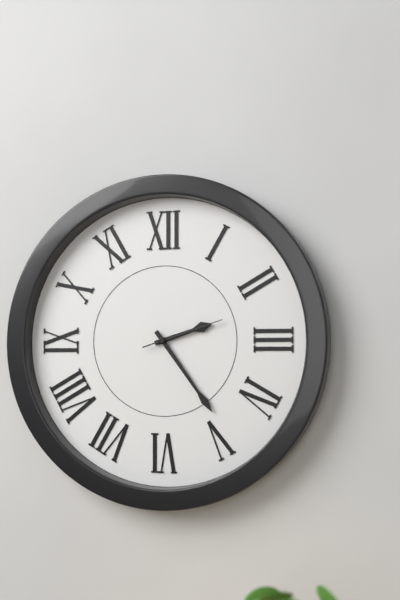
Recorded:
**2:24:12**
